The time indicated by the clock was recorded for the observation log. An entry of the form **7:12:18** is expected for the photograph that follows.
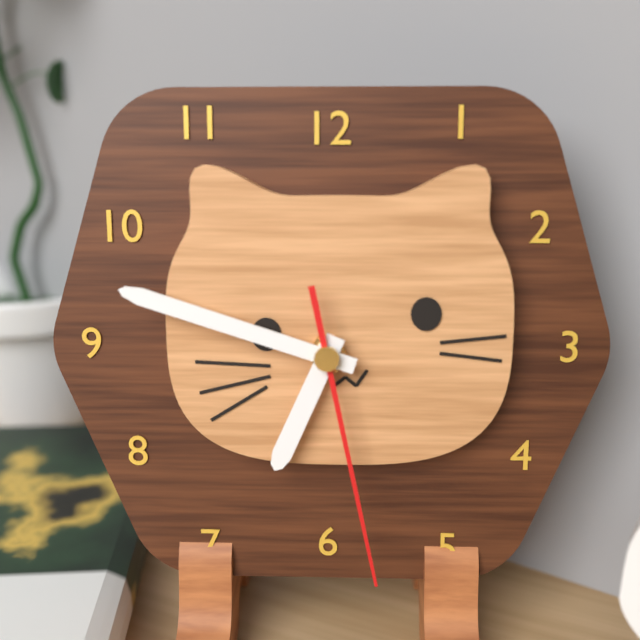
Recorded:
**6:48:28**
